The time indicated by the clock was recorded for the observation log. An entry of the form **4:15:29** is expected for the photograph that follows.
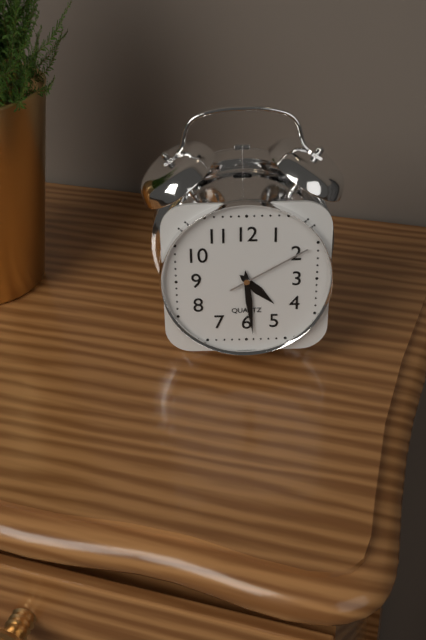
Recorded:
**4:29:10**
